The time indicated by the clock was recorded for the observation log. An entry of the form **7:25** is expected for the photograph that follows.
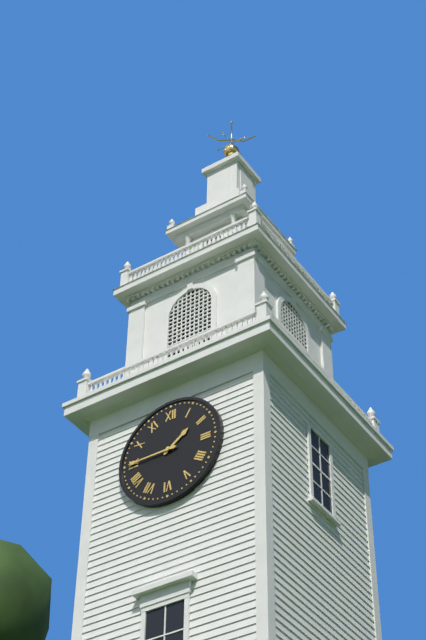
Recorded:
**1:45**
